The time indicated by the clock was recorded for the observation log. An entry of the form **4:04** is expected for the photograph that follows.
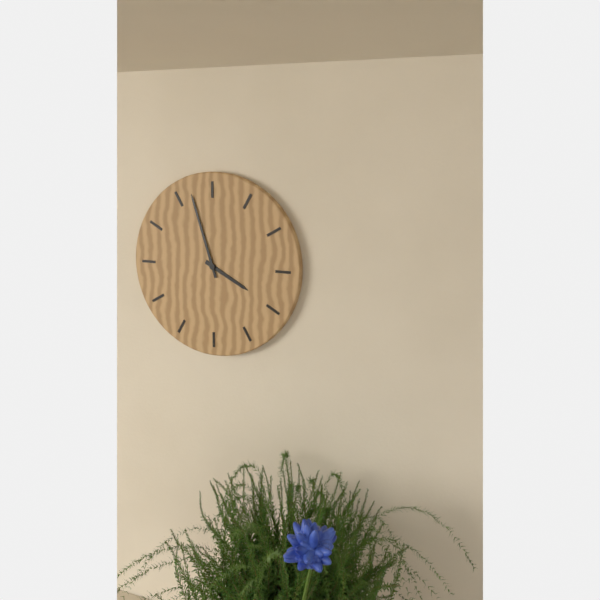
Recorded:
**3:57**
